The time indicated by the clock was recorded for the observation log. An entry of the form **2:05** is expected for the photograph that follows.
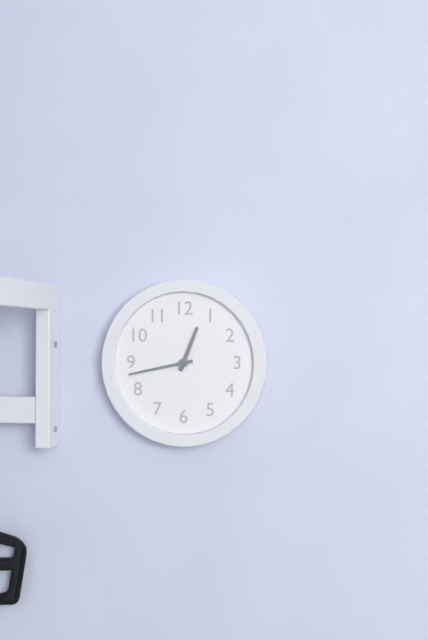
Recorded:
**12:43**
